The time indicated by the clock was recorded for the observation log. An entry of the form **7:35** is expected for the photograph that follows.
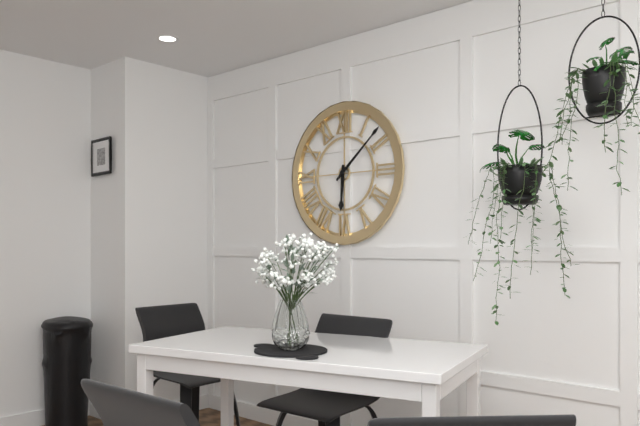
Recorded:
**6:08**
